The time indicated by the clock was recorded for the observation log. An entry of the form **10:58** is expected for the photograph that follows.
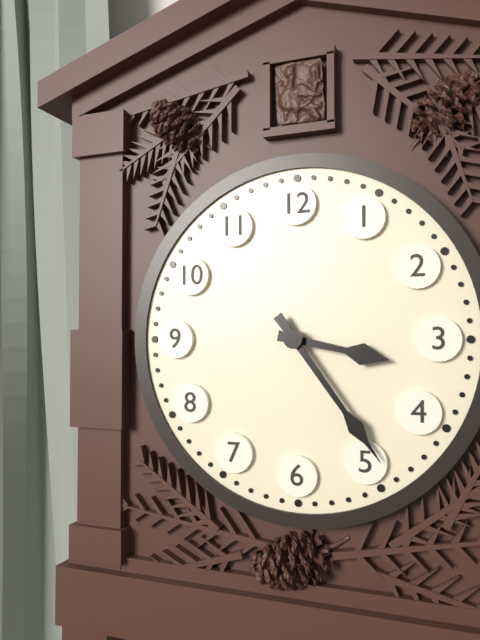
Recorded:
**3:24**
